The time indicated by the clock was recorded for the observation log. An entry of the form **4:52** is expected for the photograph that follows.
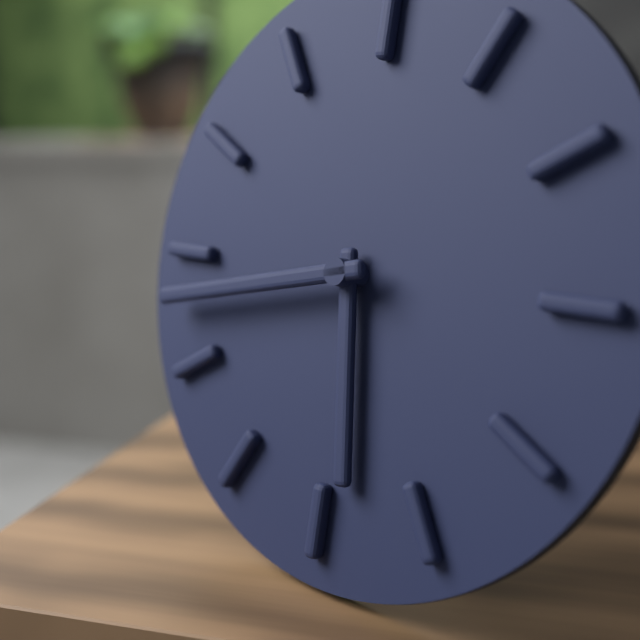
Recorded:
**5:43**
